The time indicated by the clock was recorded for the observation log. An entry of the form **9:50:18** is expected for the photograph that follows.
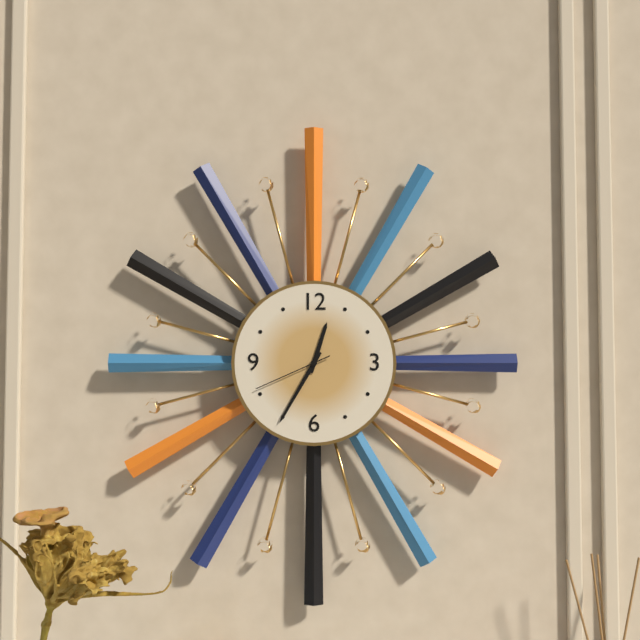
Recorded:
**12:35:41**
